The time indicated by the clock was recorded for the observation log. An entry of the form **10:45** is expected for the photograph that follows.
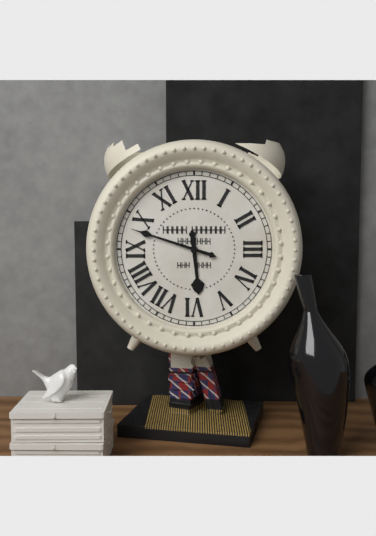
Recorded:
**5:48**
